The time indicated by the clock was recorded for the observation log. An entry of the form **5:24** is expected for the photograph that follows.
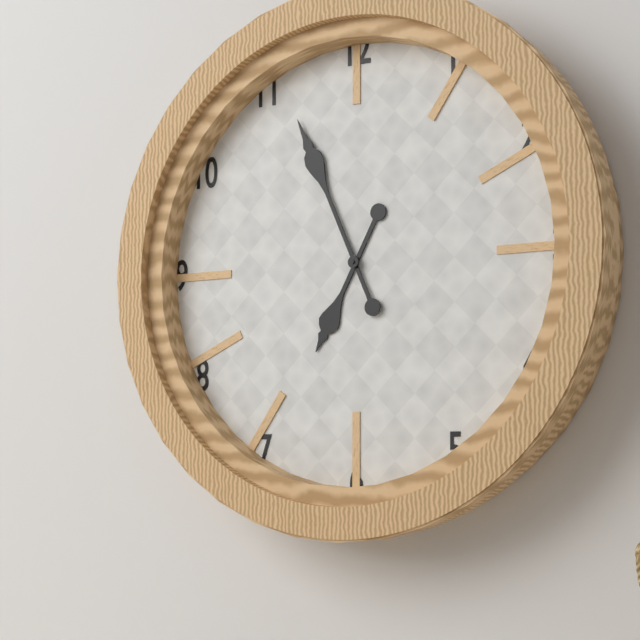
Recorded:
**6:56**
